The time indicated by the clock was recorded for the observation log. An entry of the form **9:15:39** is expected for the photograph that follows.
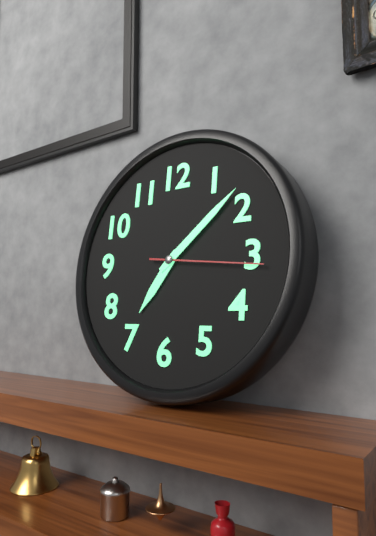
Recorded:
**7:08:16**
